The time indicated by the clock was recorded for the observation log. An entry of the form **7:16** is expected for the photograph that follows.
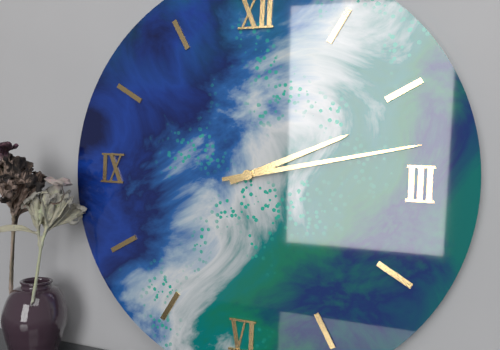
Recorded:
**2:13**
